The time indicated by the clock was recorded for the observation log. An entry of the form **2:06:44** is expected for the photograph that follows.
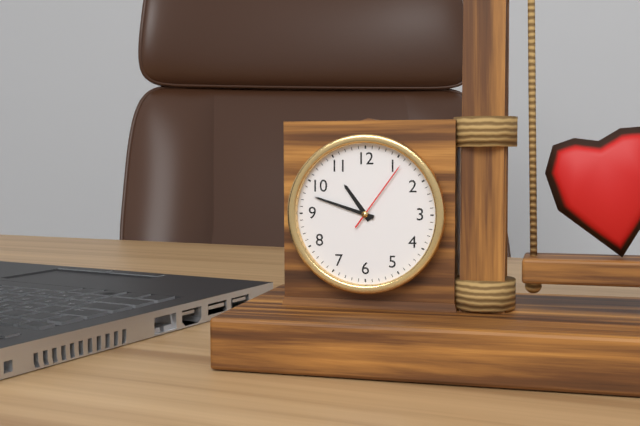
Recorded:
**10:48:06**
